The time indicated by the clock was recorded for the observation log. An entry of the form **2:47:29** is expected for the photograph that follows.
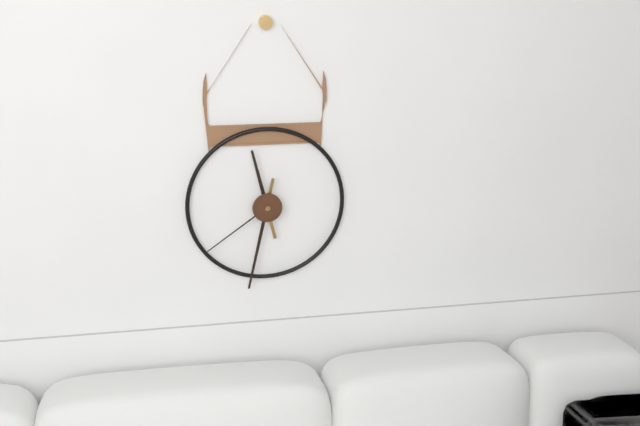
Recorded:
**11:32:39**
